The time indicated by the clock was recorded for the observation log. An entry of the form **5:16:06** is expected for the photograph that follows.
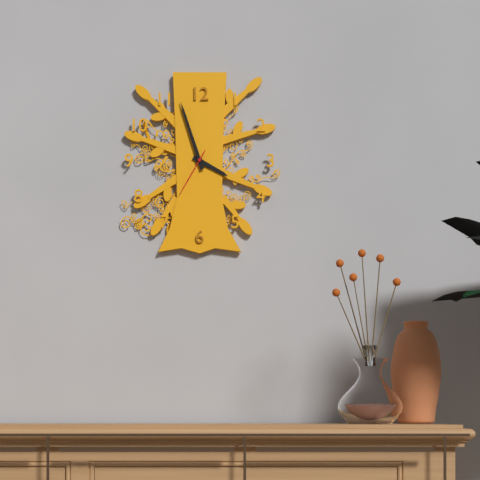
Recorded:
**3:57:35**
